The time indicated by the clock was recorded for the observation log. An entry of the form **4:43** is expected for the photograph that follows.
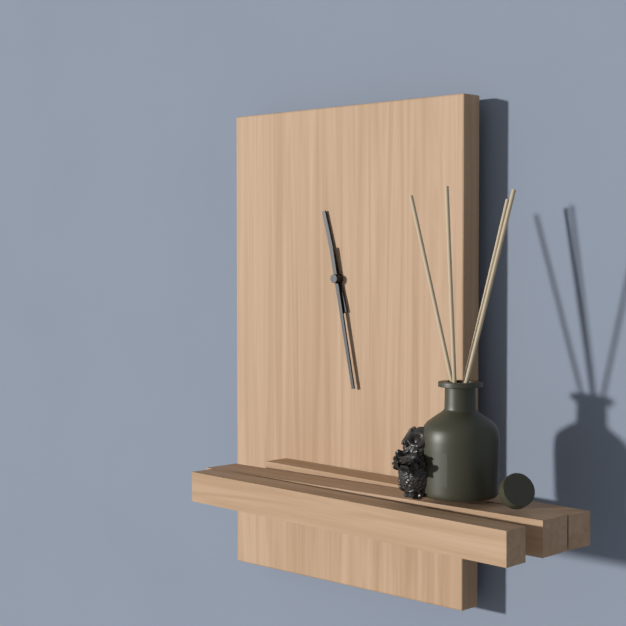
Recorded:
**11:28**
